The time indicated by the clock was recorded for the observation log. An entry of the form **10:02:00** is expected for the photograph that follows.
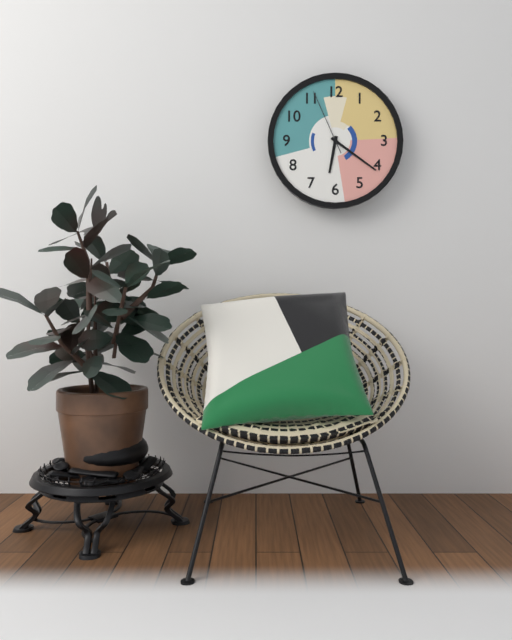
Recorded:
**6:21:56**
